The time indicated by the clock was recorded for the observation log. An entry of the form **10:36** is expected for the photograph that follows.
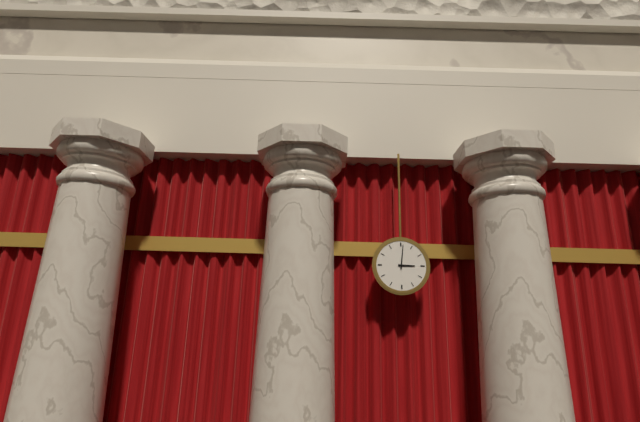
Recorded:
**3:01**
